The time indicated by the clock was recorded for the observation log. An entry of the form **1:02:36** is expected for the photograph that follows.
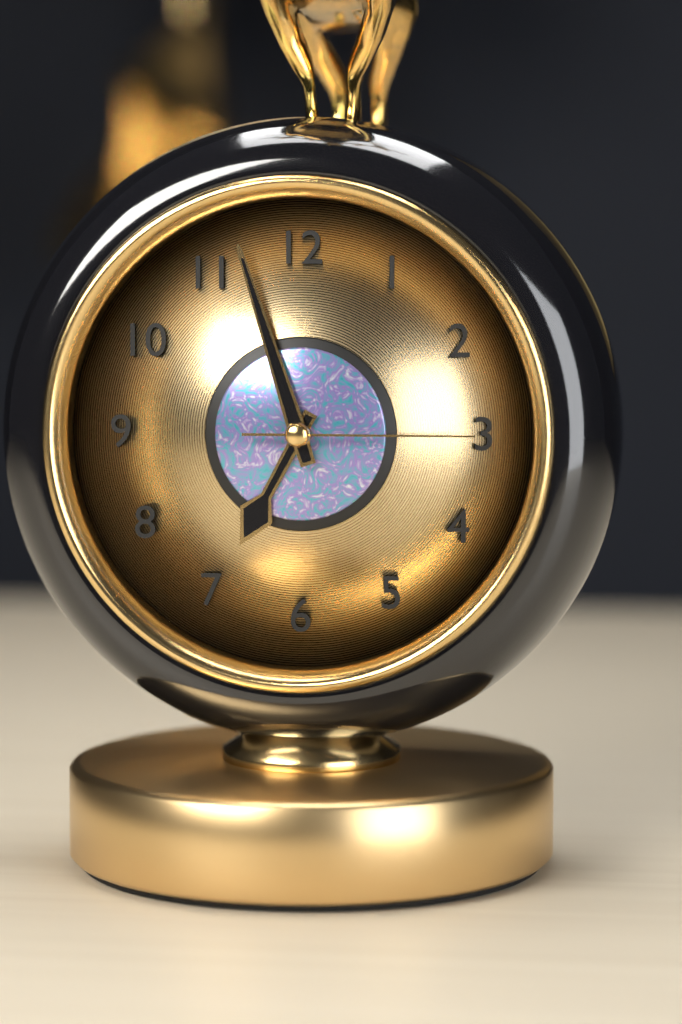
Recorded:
**6:57:15**
